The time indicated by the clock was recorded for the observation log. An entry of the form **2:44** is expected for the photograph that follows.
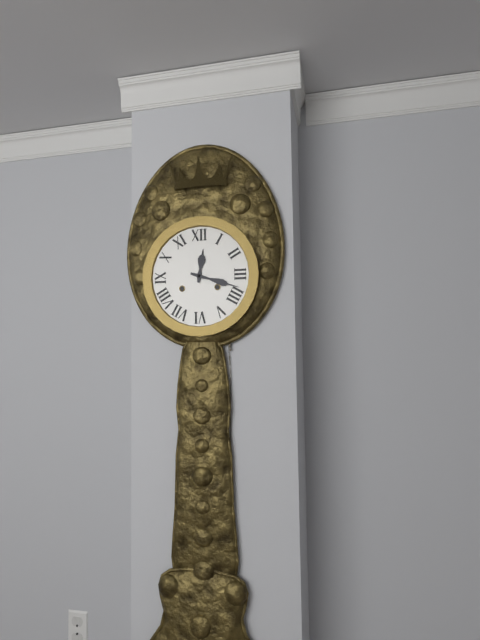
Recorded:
**12:18**
